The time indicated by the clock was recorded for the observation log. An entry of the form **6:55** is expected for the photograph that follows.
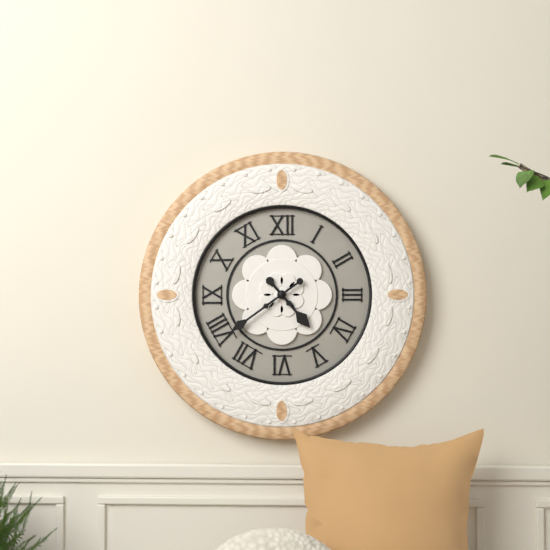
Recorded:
**4:39**
